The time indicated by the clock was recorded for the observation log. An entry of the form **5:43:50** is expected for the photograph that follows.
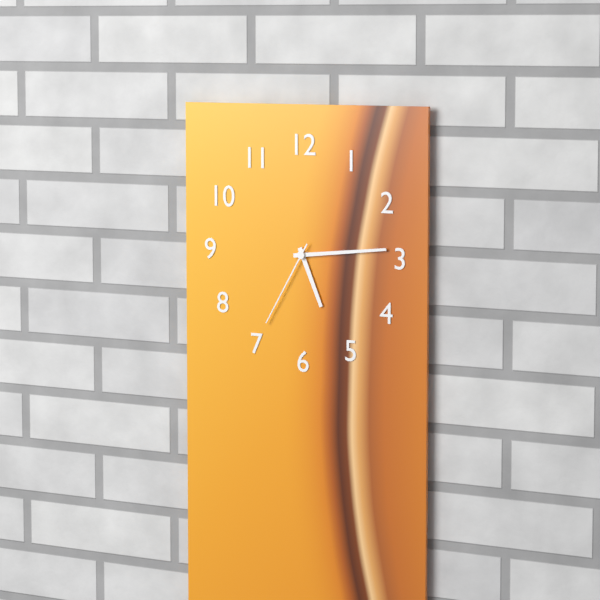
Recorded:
**5:14:35**
